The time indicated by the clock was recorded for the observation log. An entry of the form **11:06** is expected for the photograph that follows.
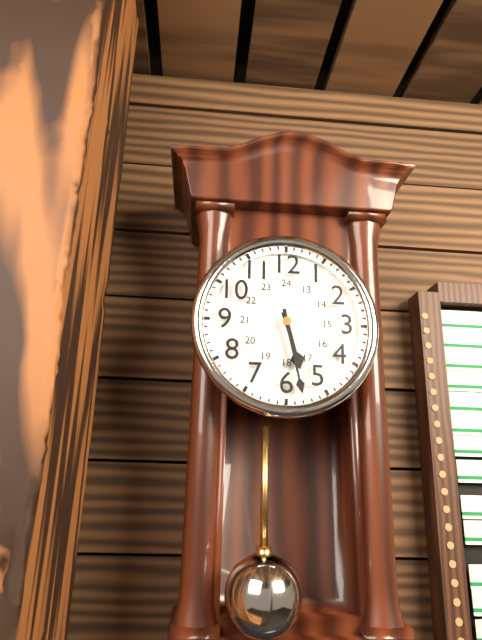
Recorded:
**5:28**
